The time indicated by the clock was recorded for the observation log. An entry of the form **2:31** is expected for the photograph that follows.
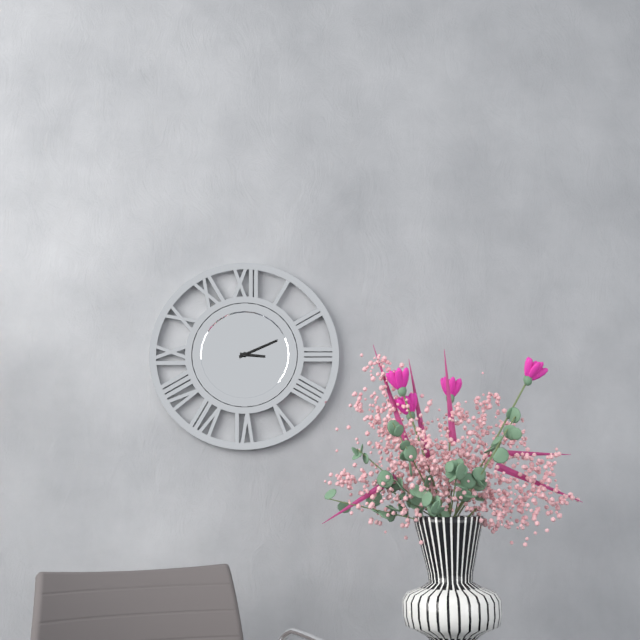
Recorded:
**3:11**
